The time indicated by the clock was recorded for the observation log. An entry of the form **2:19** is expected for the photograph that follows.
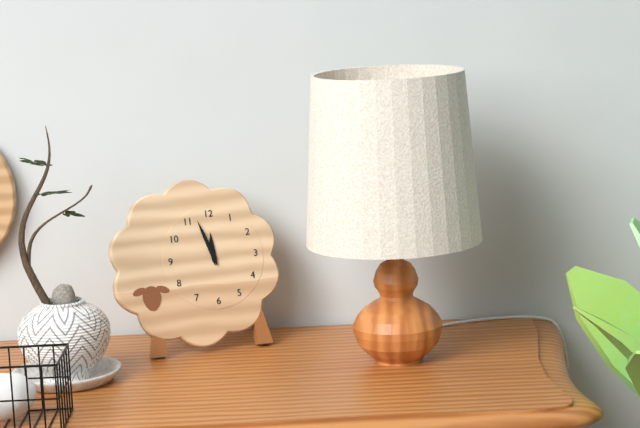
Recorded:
**11:57**
